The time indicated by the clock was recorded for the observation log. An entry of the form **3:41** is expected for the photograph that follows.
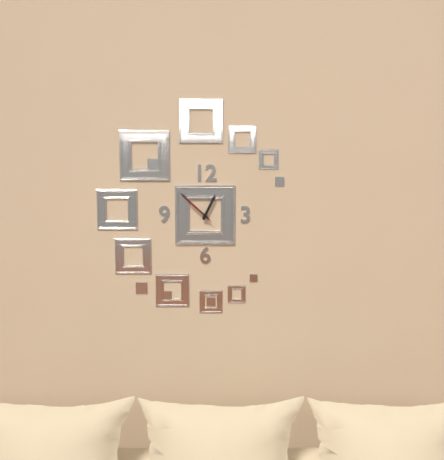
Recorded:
**12:52**
